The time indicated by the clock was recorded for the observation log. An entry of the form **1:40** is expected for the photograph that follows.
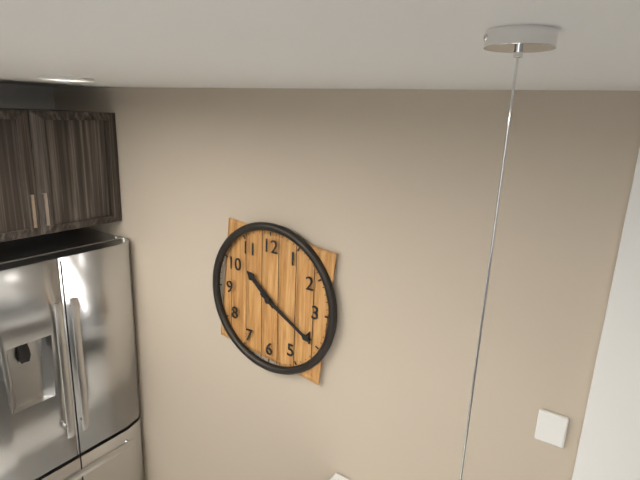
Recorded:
**10:20**
